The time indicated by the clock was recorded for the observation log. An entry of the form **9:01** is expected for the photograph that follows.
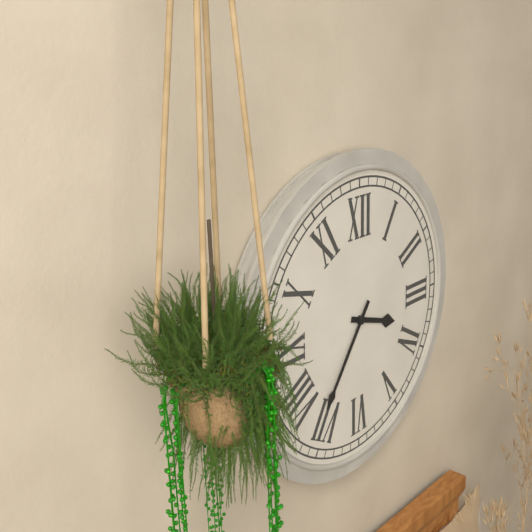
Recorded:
**3:36**
